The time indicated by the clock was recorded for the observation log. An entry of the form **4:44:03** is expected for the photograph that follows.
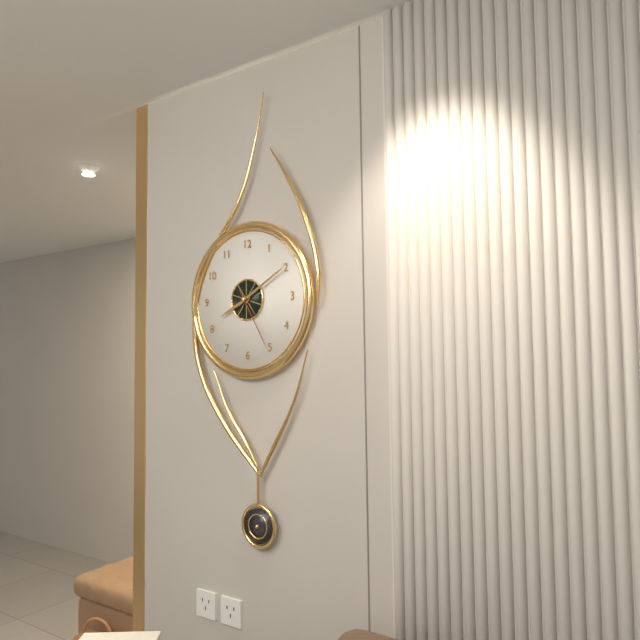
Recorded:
**8:10:25**
